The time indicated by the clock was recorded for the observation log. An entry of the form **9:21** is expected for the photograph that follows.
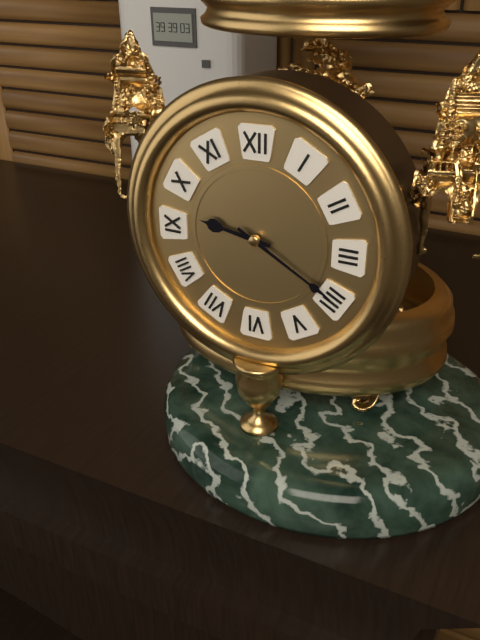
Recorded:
**9:20**
